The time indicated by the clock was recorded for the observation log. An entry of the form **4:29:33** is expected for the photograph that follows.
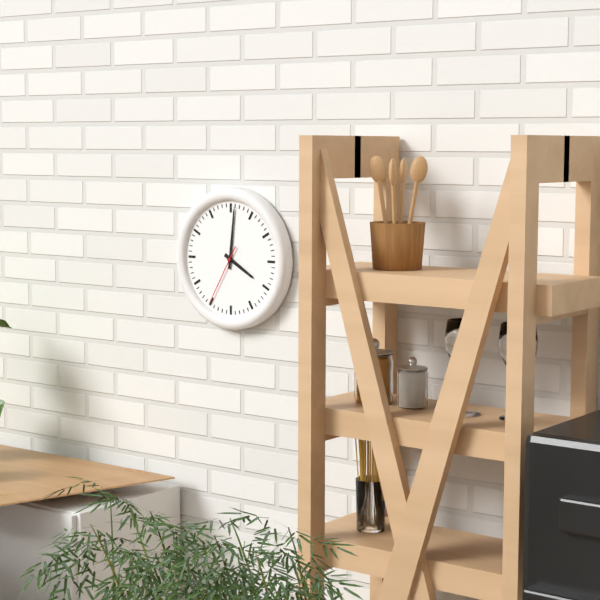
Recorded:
**4:01:35**
